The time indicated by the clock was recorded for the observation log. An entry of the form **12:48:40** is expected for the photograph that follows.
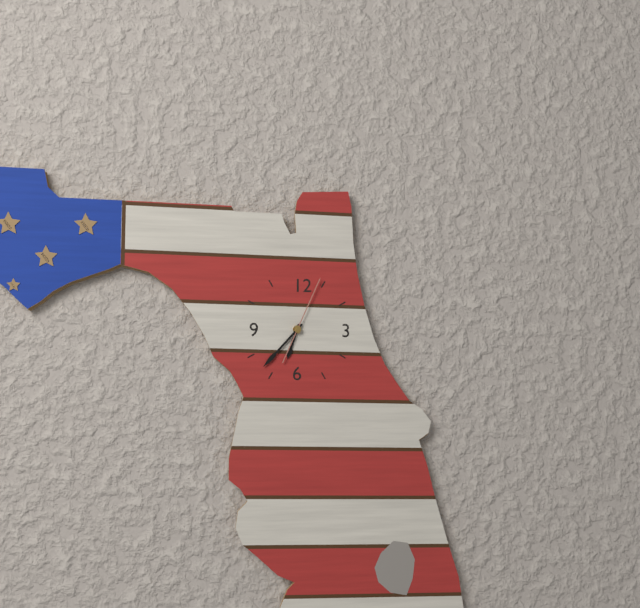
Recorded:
**6:37:04**
